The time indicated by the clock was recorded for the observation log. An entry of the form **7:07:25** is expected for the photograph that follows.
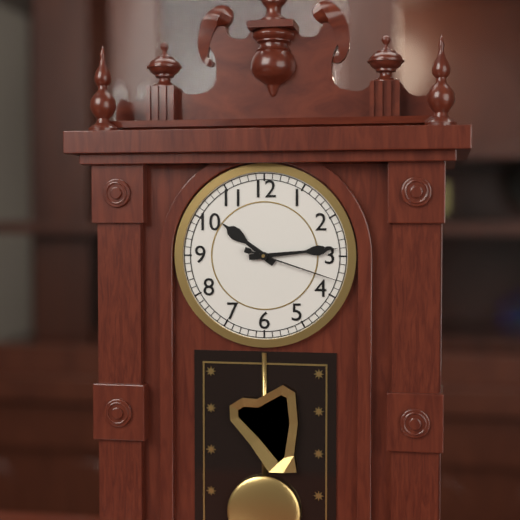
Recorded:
**10:14:18**
